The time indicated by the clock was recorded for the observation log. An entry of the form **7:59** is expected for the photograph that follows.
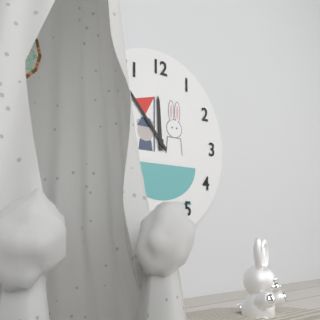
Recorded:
**11:53**
